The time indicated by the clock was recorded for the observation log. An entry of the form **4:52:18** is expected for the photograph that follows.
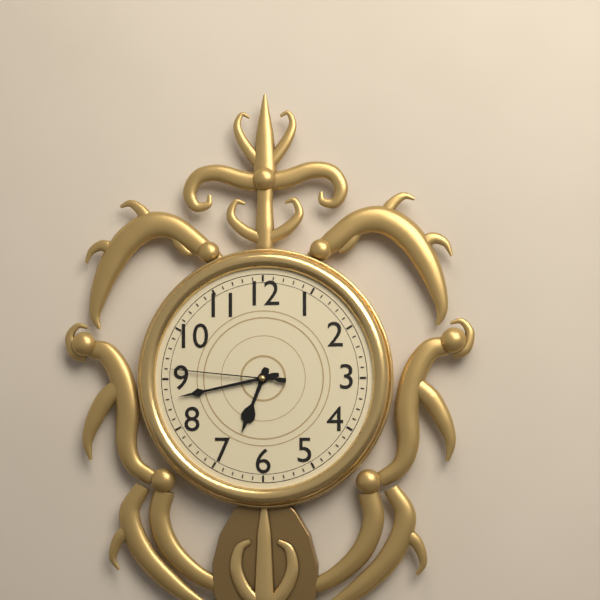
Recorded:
**6:43:46**
